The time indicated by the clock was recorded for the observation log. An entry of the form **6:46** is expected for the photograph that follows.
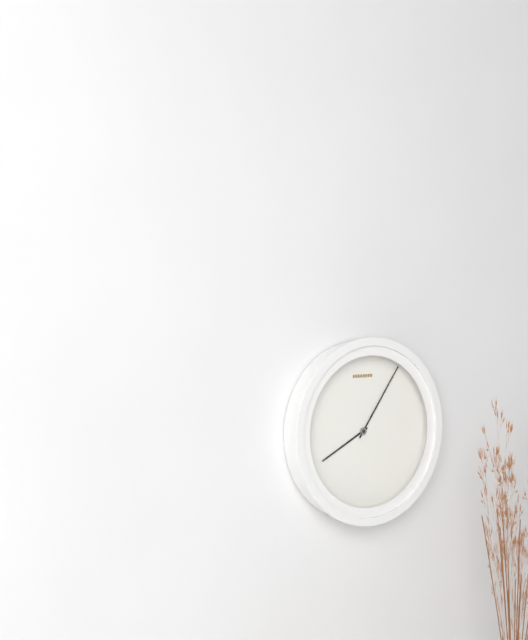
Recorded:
**8:06**
